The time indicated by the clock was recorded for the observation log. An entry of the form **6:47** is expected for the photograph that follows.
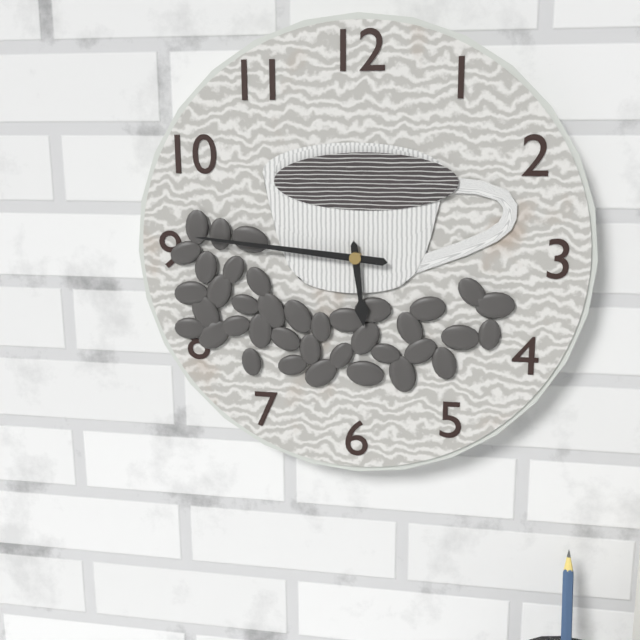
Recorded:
**5:46**
